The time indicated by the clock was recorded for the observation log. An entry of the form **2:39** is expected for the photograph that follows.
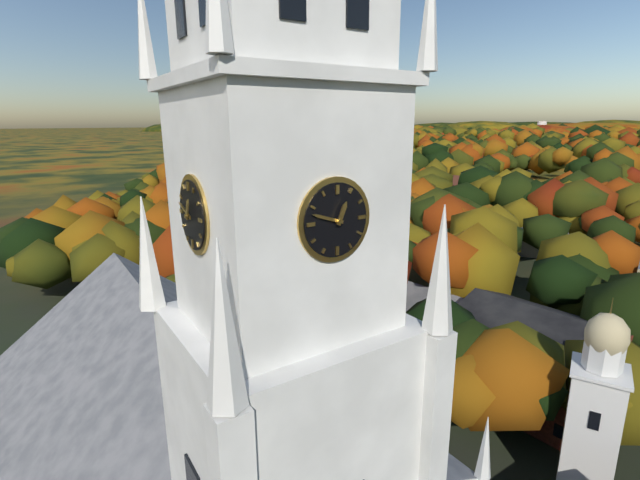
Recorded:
**12:48**
